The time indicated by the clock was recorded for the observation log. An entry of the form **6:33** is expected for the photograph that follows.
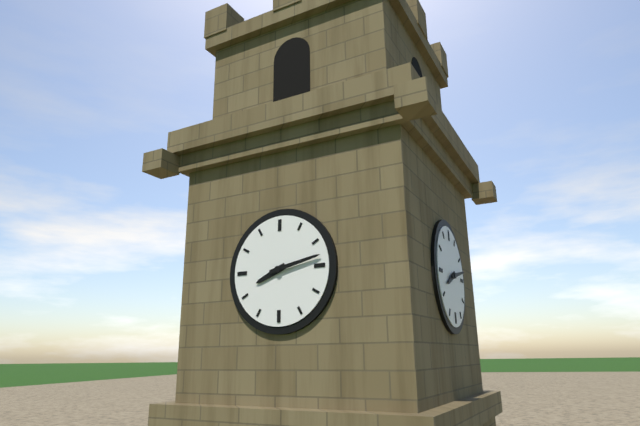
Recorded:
**8:13**
